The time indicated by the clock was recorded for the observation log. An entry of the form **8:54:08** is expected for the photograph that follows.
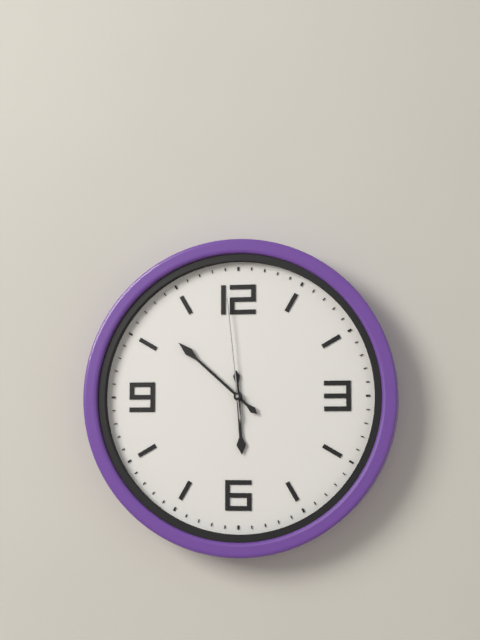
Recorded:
**5:52:59**
